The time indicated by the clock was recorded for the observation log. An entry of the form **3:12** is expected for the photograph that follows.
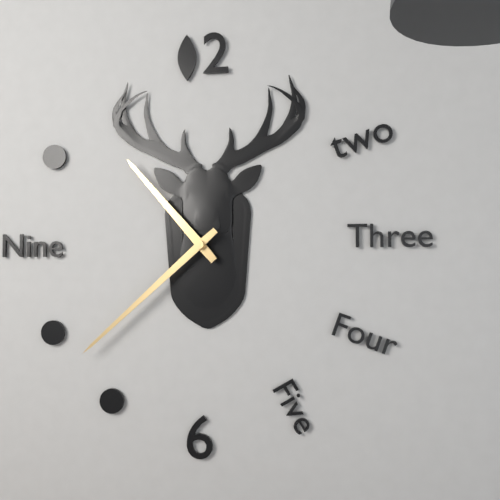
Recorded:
**10:38**
